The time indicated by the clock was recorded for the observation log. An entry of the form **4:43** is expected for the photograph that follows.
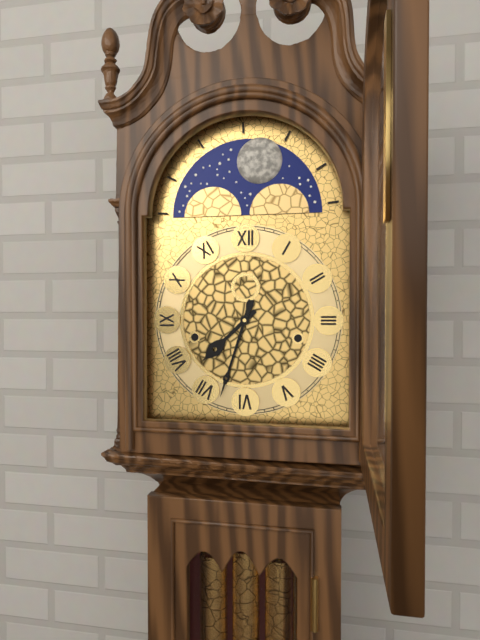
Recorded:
**7:33**
